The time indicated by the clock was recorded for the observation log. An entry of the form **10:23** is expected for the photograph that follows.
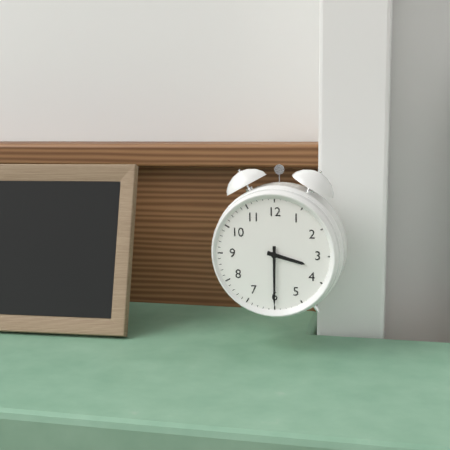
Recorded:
**3:30**
